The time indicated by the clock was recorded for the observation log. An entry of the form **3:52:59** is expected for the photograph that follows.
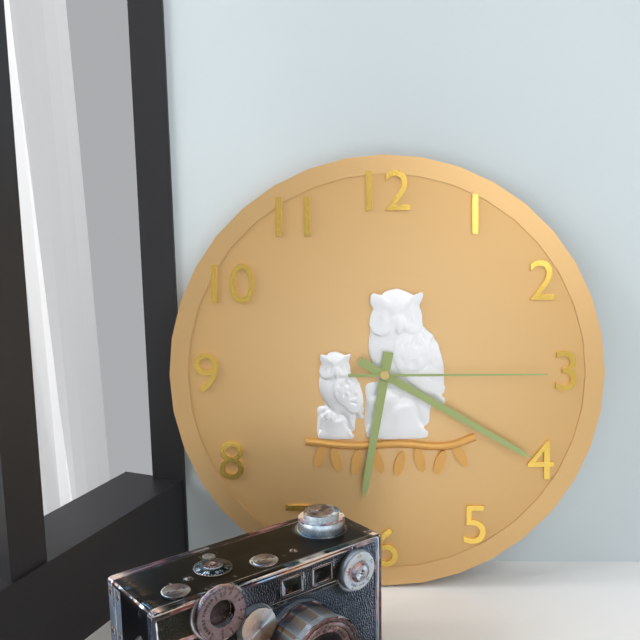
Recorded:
**6:20:15**
